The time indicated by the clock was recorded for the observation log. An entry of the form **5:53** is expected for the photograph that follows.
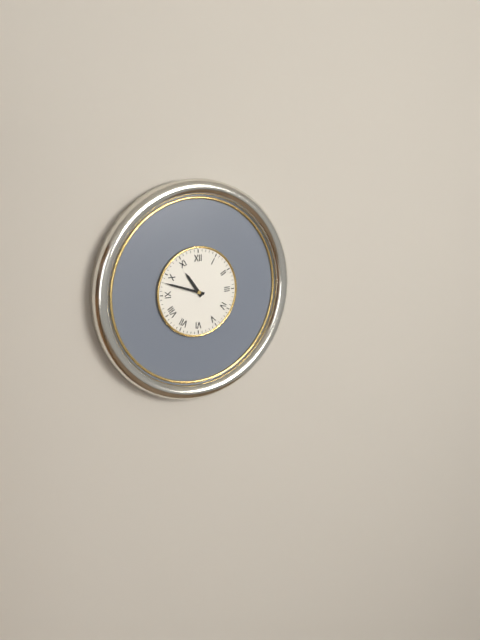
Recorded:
**10:48**
